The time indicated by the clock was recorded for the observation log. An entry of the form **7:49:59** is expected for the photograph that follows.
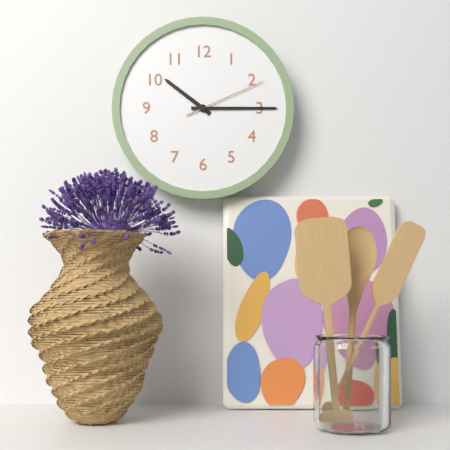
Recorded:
**10:15:11**
